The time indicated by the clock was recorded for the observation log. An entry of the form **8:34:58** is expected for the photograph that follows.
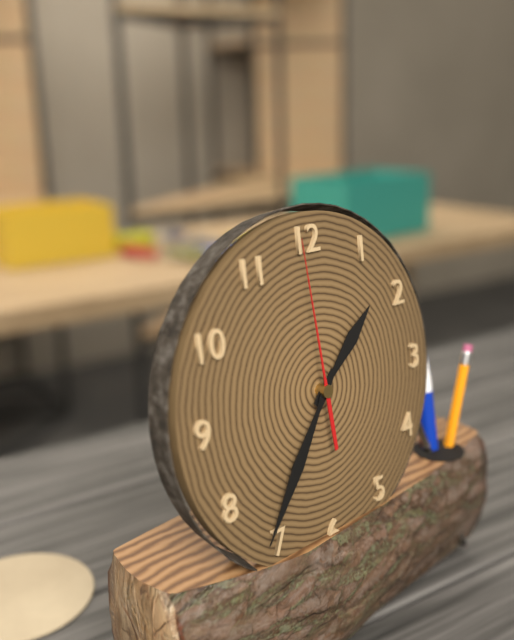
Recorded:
**1:36:59**
